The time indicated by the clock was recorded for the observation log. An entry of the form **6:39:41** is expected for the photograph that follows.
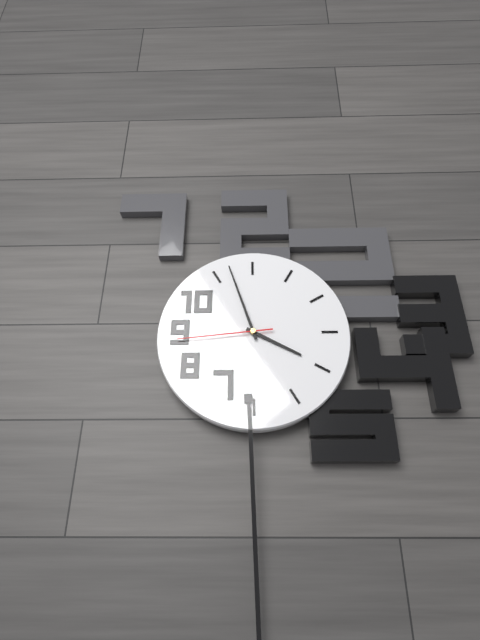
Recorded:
**3:57:44**
